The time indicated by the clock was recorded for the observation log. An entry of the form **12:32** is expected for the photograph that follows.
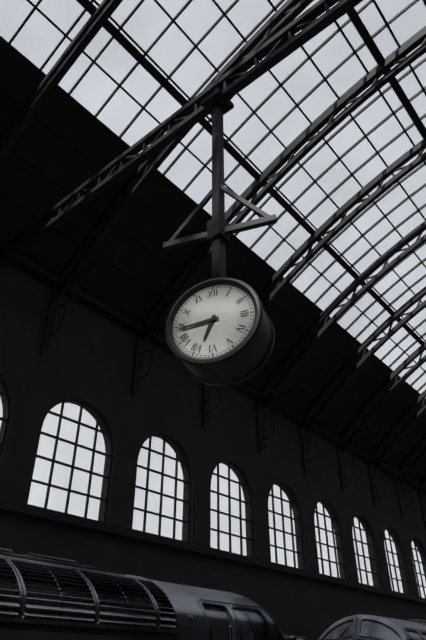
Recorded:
**6:44**
